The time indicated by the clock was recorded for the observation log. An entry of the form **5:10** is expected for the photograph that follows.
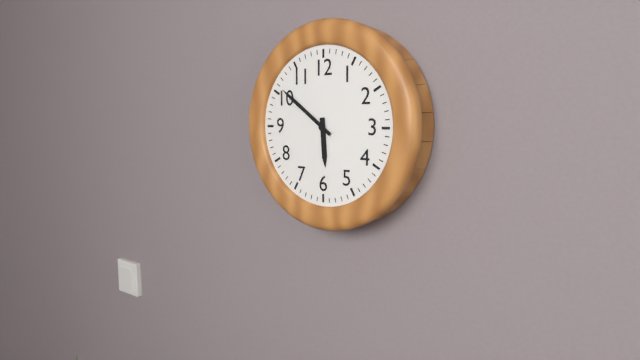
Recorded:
**5:51**
